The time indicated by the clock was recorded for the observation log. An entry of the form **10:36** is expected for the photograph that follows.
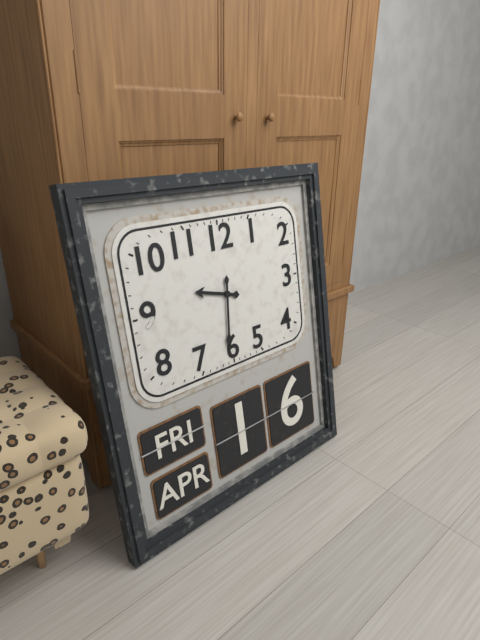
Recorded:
**9:31**
